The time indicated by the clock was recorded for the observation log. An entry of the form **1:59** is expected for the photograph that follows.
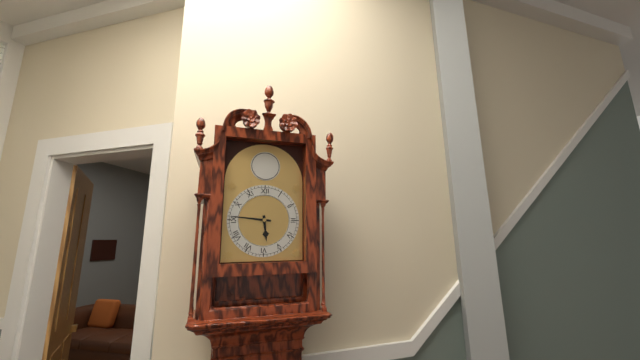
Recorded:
**5:46**
